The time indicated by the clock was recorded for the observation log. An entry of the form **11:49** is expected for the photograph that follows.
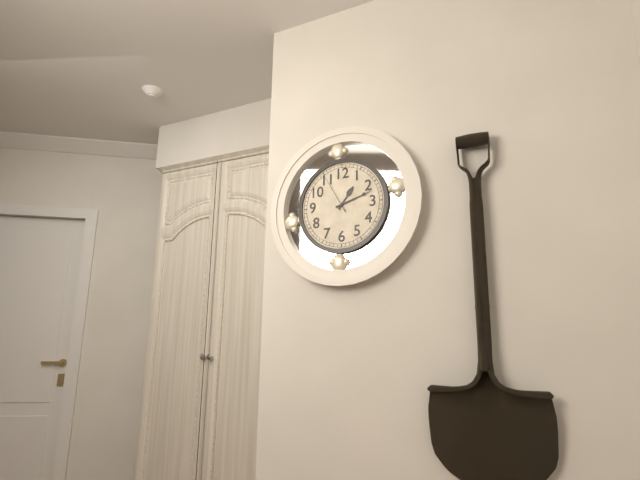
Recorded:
**1:12**
